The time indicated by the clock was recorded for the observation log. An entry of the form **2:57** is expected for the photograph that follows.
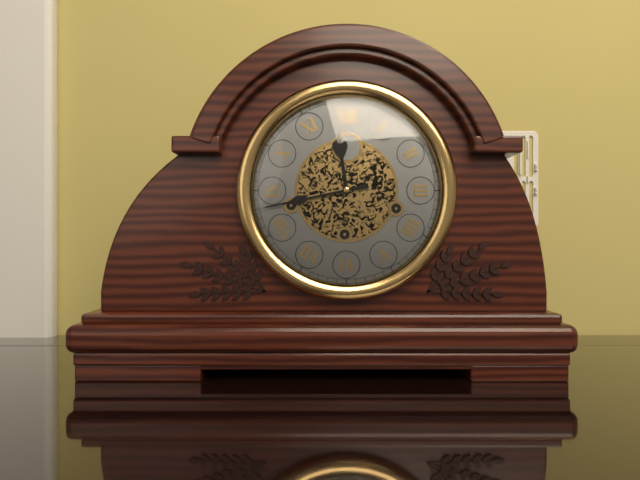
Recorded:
**11:43**
